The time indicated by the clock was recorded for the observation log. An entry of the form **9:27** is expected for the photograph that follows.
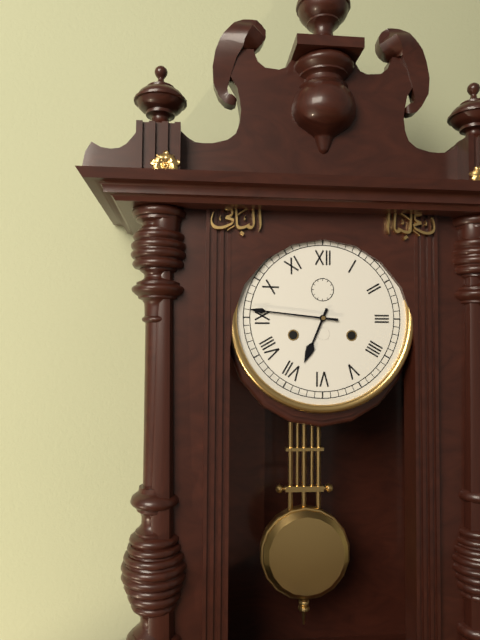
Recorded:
**6:46**
